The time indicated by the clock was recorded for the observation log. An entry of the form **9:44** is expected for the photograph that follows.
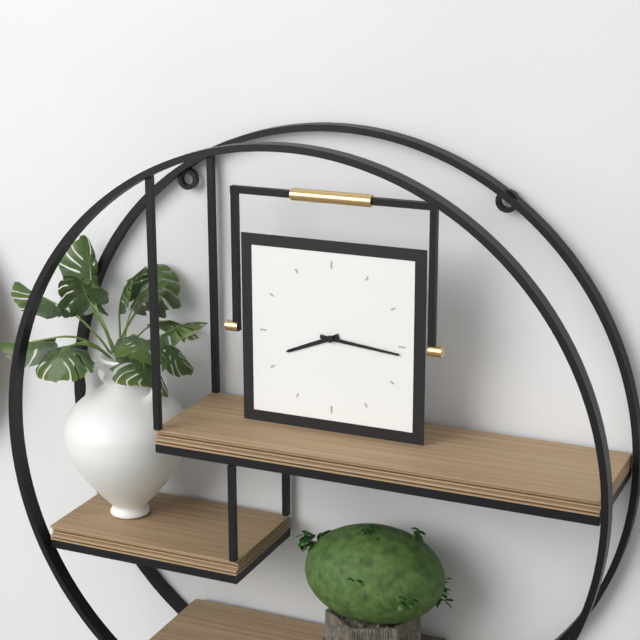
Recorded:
**8:16**
